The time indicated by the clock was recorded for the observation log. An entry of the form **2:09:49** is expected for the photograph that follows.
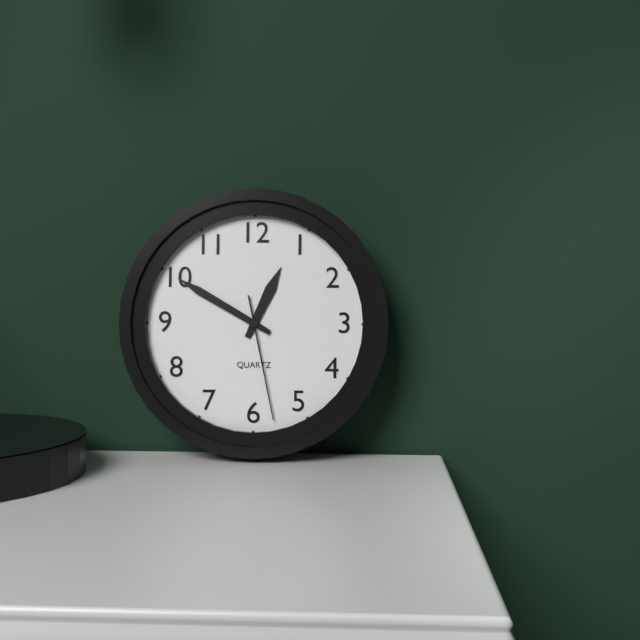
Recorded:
**12:50:28**
